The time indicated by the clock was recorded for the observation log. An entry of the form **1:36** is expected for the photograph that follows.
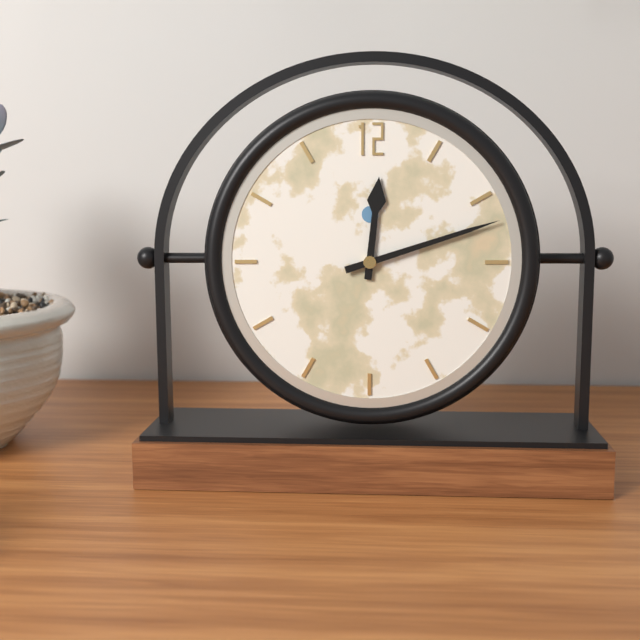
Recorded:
**12:12**
